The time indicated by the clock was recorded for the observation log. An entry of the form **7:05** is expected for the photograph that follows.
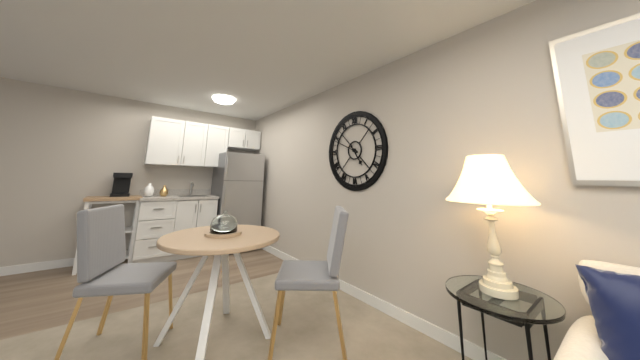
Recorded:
**4:49**
